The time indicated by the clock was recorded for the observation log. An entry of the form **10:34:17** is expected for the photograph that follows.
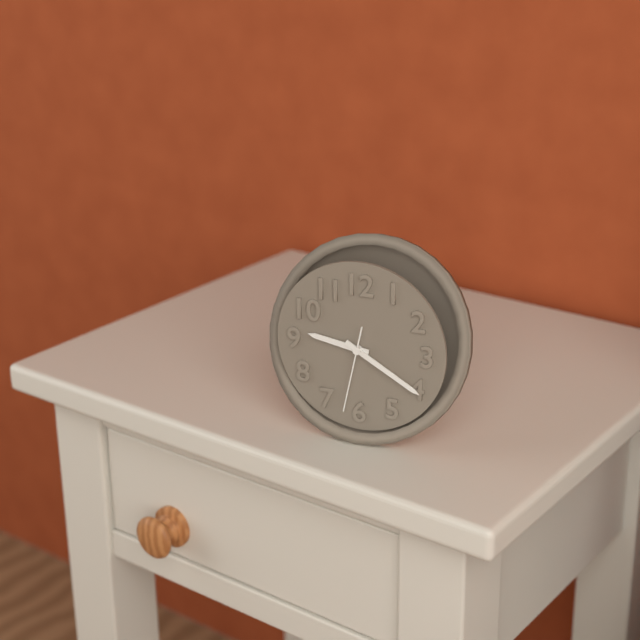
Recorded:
**9:20:32**
